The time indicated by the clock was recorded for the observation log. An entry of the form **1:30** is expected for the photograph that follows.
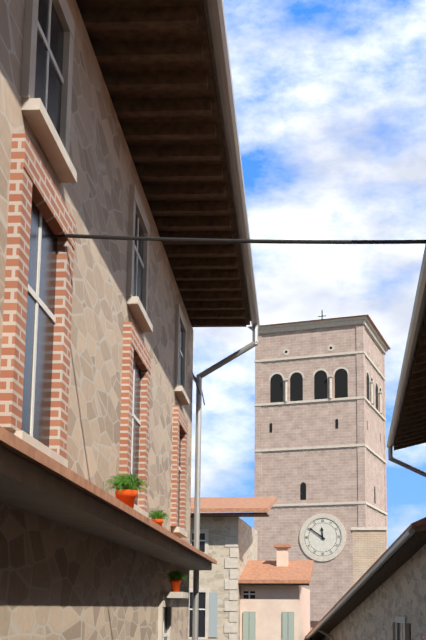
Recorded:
**11:51**
